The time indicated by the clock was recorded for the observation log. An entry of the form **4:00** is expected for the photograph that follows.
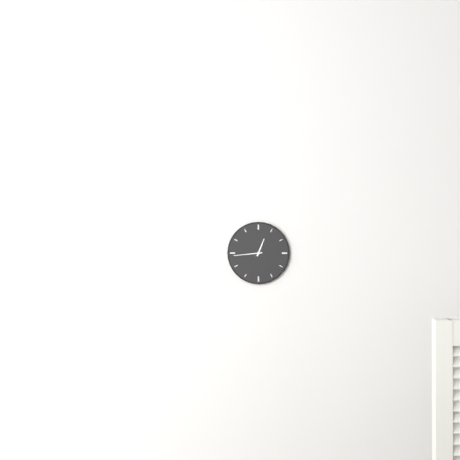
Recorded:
**12:44**
